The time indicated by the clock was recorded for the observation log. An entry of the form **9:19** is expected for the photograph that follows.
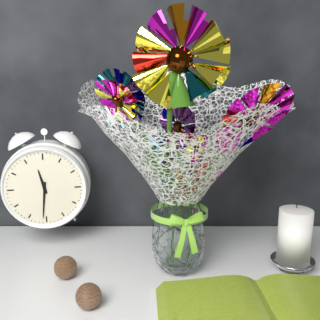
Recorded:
**11:31**
